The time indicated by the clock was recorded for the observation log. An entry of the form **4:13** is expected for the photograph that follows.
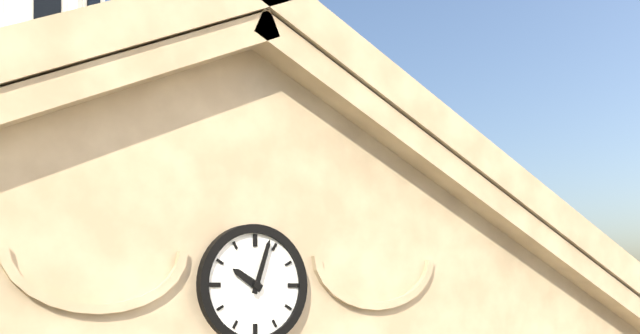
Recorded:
**10:03**
